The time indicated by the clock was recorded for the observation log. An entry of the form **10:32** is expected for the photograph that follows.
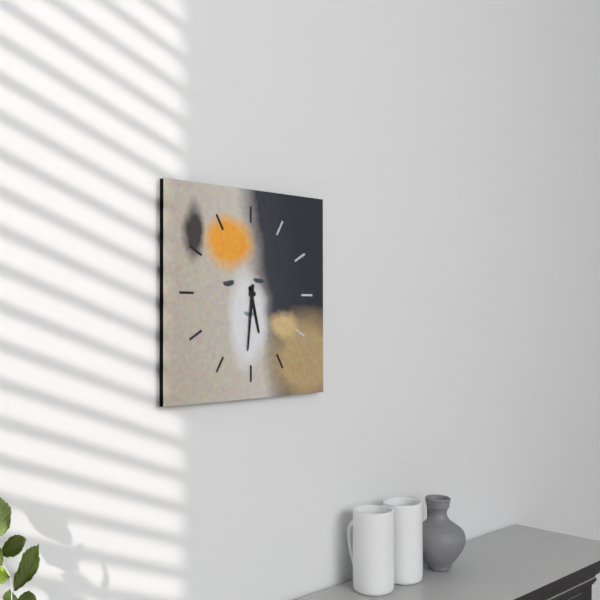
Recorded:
**5:31**
